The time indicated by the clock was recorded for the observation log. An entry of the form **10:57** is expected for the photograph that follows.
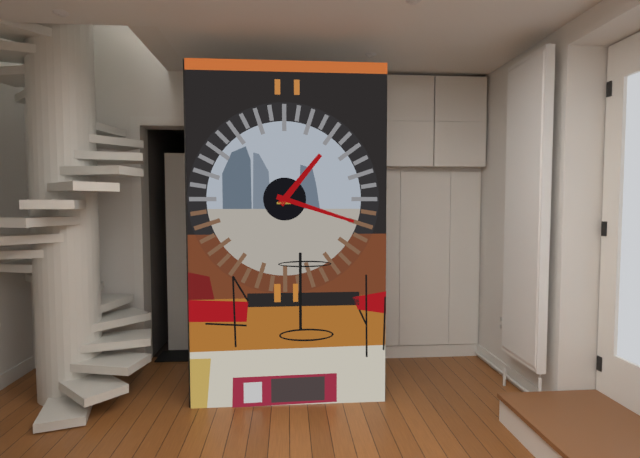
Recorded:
**1:18**
